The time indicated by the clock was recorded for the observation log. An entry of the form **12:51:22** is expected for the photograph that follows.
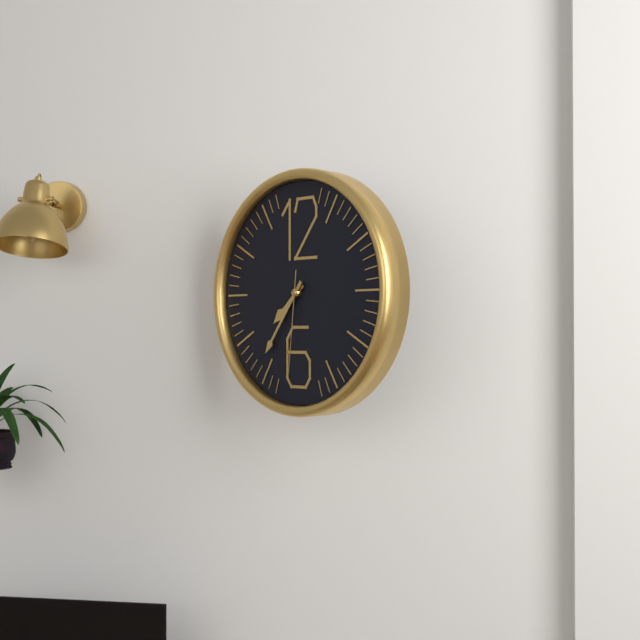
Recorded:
**7:36:31**
